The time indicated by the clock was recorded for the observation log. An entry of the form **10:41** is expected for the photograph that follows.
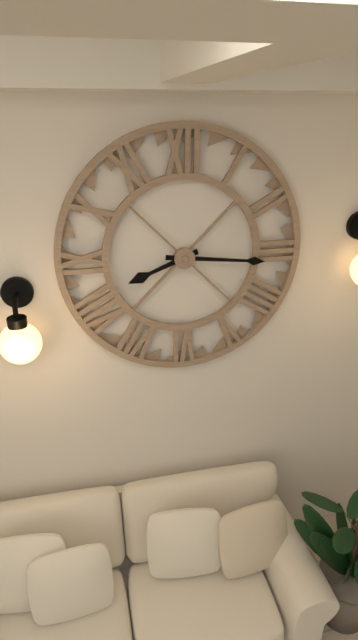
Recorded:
**8:16**
